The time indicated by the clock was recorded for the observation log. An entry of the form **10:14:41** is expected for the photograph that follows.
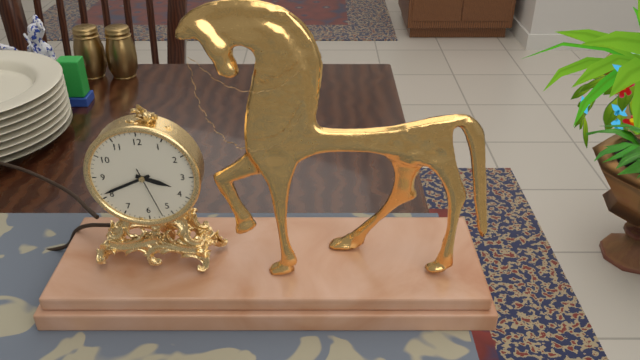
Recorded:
**3:41:27**
